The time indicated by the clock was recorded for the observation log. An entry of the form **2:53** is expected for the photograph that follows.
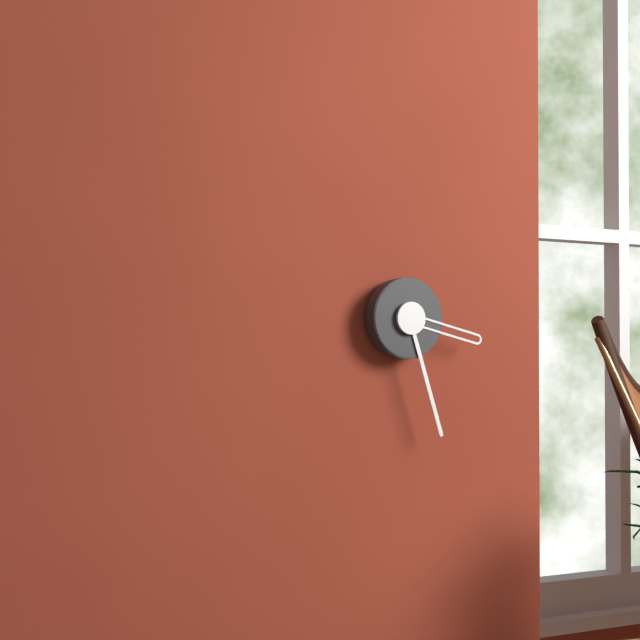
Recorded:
**3:27**
